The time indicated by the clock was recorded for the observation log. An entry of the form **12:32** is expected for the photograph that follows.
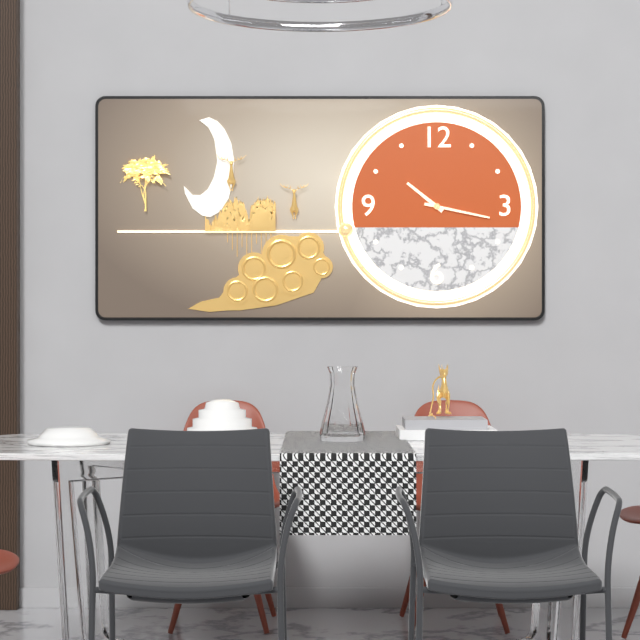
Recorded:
**10:17**
